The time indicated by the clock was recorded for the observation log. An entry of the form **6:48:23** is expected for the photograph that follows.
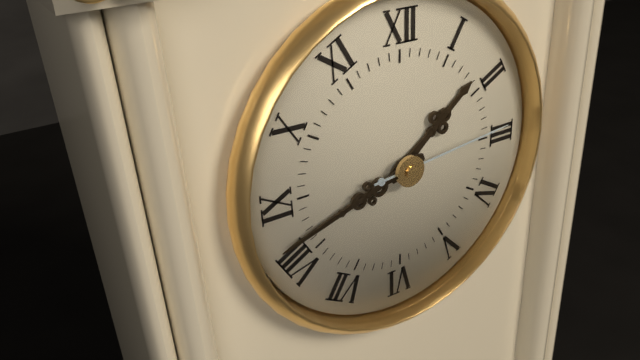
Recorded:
**1:42:14**
